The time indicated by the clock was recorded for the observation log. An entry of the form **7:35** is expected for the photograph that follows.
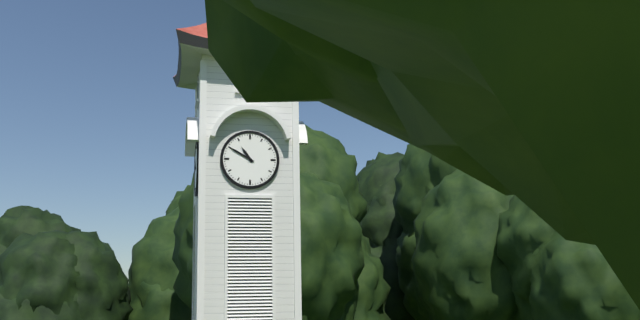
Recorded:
**10:50**
